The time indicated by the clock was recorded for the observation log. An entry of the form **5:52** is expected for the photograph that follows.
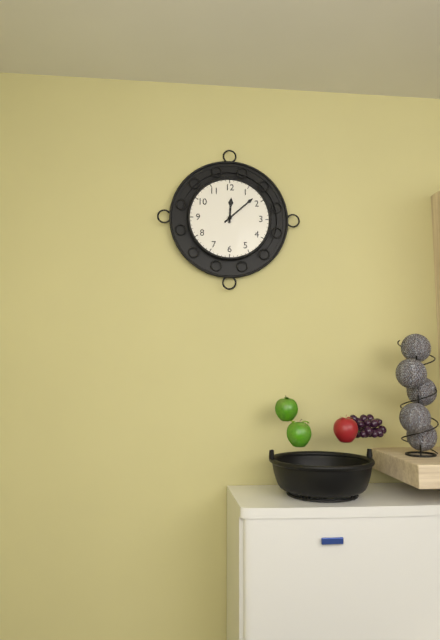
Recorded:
**12:08**
